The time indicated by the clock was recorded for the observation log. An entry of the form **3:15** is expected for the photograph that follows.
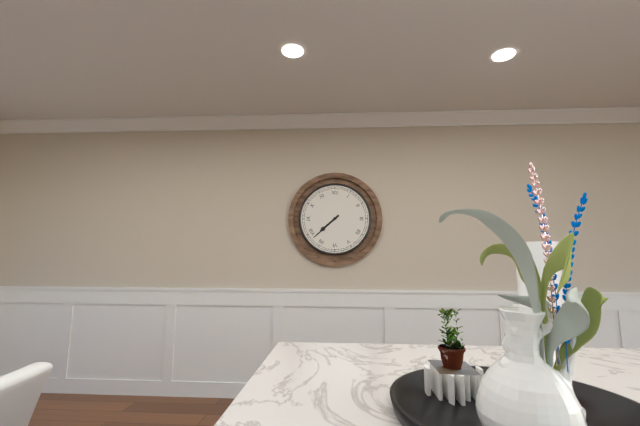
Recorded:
**7:38**
